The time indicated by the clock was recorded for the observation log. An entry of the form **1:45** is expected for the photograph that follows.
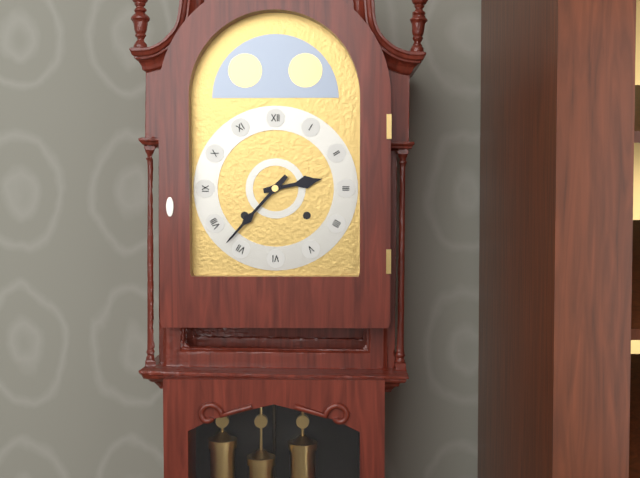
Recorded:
**2:37**
